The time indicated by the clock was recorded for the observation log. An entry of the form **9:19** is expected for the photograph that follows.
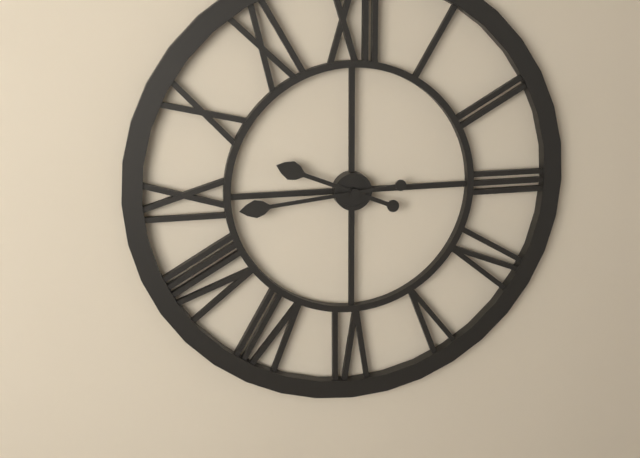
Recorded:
**9:44**
